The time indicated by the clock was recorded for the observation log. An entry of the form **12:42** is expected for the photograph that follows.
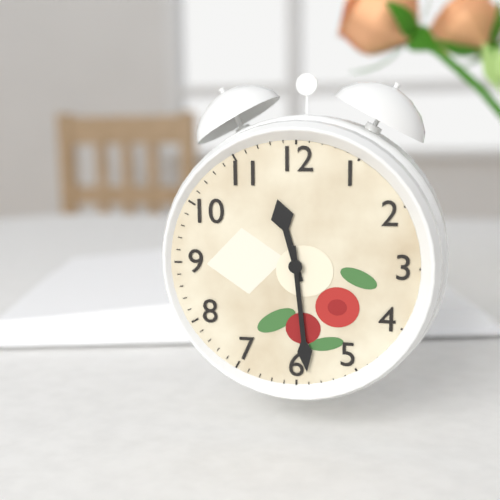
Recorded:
**11:29**
